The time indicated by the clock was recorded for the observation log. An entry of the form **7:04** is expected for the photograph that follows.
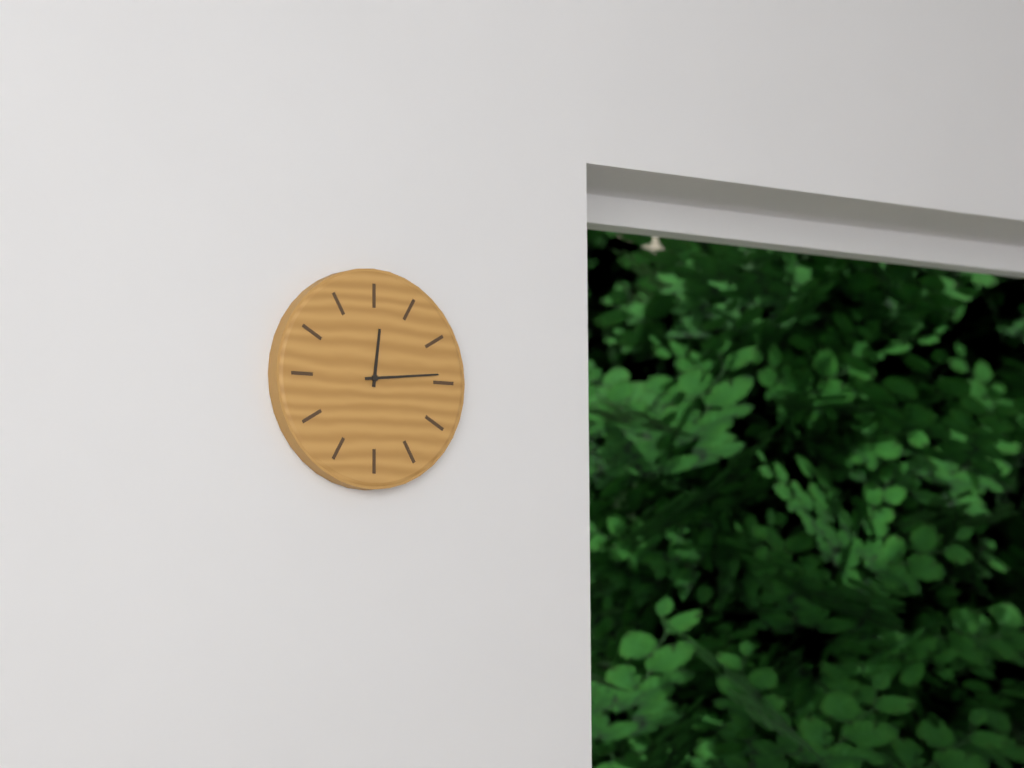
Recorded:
**12:14**
